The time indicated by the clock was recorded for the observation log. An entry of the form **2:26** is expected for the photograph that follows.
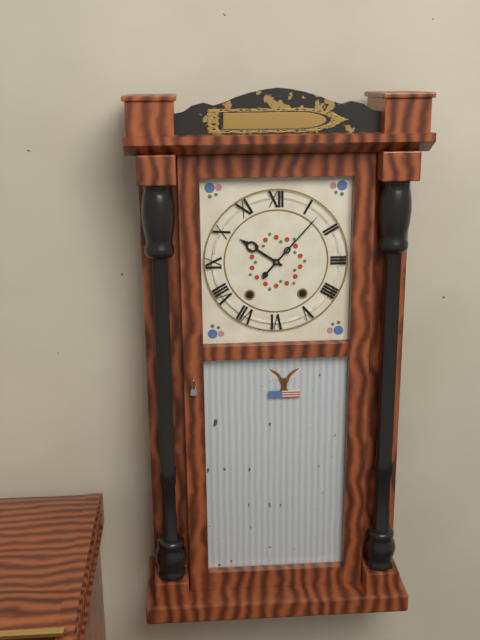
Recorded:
**10:07**
